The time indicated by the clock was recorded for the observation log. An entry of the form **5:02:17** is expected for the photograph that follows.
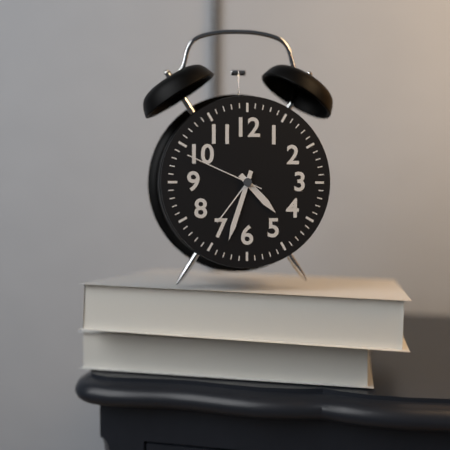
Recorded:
**4:33:49**
